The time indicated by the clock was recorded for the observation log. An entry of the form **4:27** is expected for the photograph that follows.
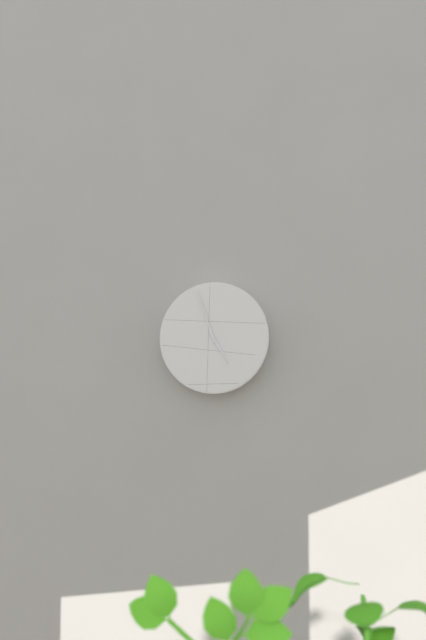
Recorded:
**4:57**
